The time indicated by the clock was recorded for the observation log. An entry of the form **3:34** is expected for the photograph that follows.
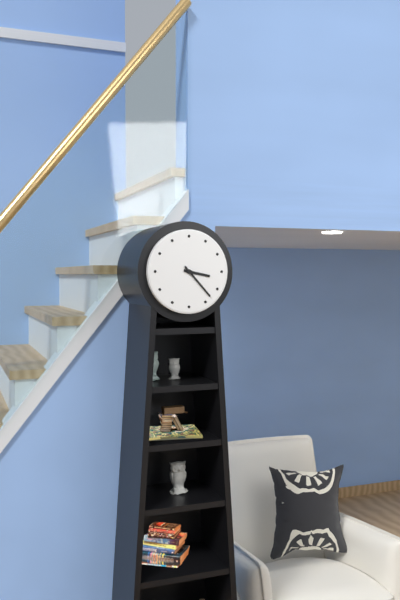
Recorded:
**3:23**
